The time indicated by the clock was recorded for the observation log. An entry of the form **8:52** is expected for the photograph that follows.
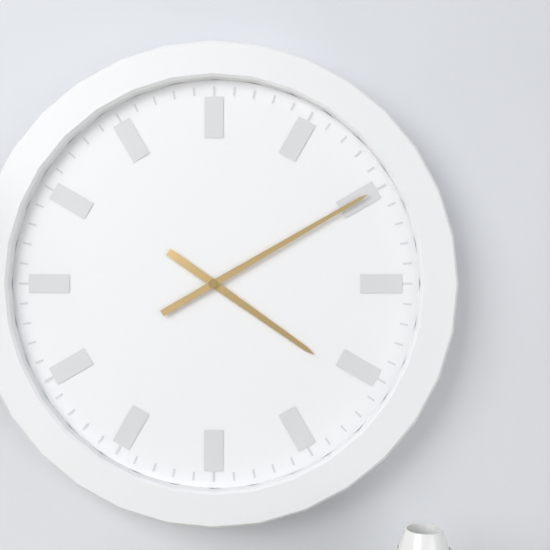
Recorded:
**4:10**
